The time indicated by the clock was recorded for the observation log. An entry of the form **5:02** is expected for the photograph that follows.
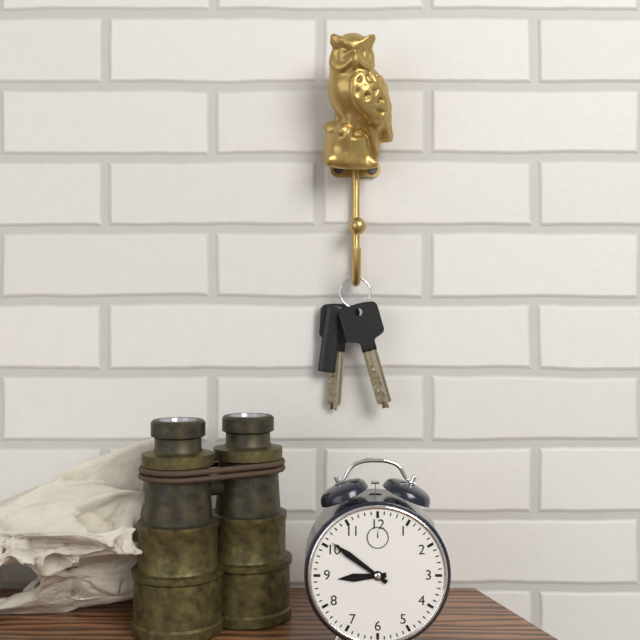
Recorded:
**8:51**
